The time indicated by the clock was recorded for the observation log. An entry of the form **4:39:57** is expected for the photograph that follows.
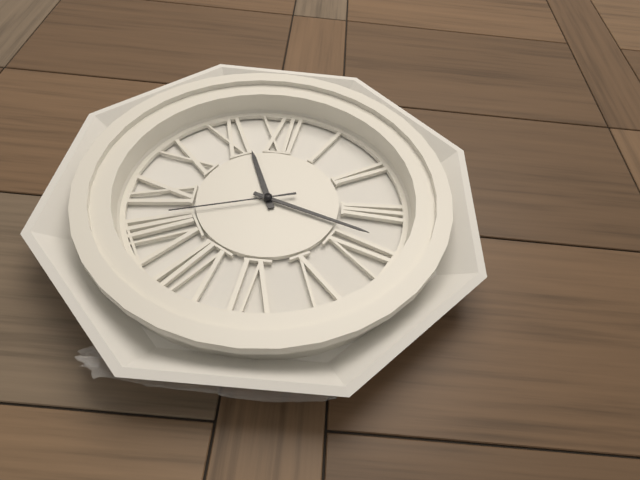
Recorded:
**11:18:42**
